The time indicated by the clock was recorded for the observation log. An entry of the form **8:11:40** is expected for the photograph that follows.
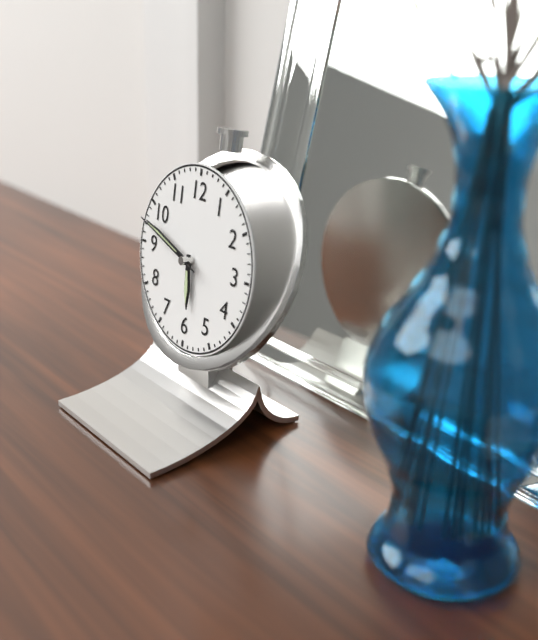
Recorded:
**5:48:48**
